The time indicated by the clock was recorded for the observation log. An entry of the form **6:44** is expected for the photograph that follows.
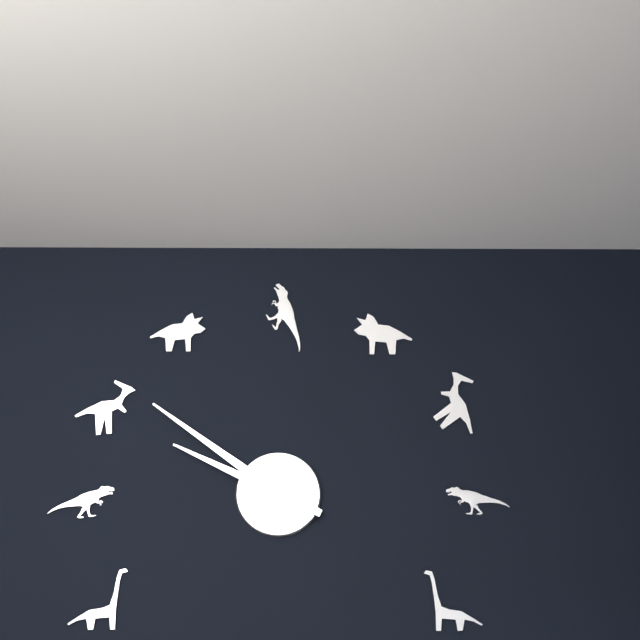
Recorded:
**9:51**
